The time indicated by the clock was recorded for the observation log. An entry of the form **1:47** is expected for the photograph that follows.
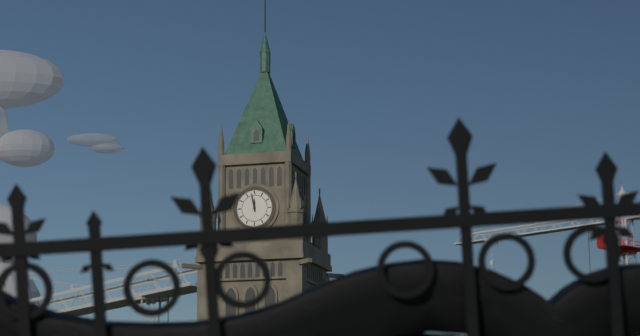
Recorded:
**11:58**
